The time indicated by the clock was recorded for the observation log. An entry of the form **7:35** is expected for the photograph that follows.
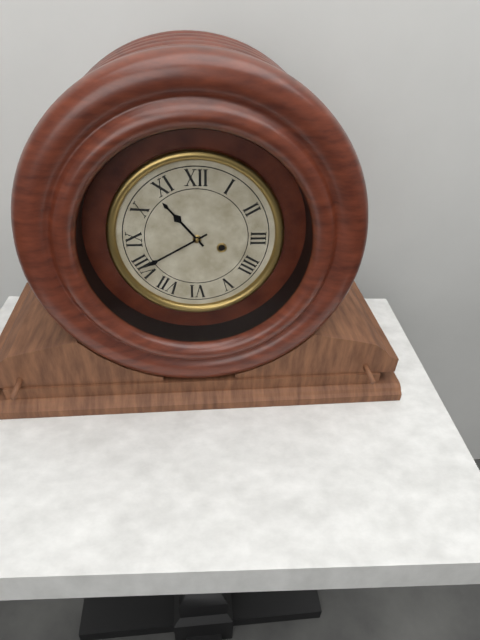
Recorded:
**10:40**
